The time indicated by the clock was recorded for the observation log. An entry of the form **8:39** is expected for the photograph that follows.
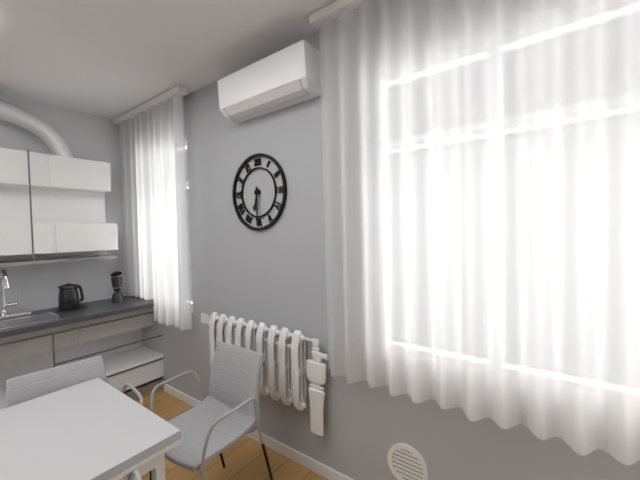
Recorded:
**6:30**
